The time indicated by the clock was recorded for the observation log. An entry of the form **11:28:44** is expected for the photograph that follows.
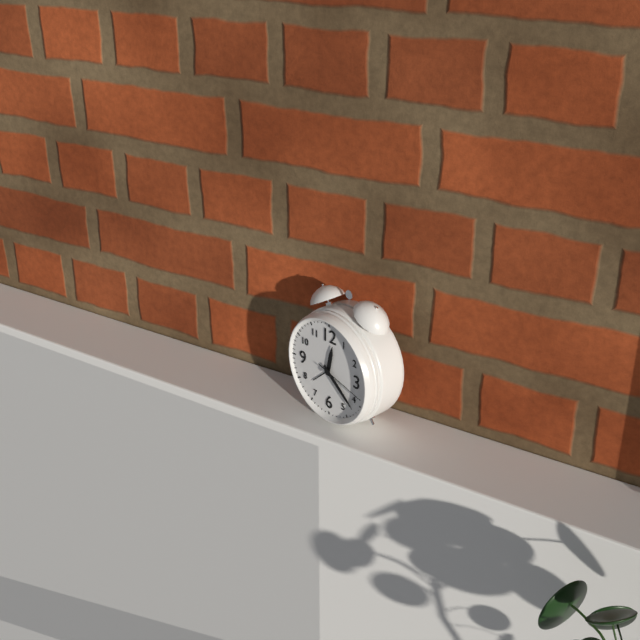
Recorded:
**12:22:18**
